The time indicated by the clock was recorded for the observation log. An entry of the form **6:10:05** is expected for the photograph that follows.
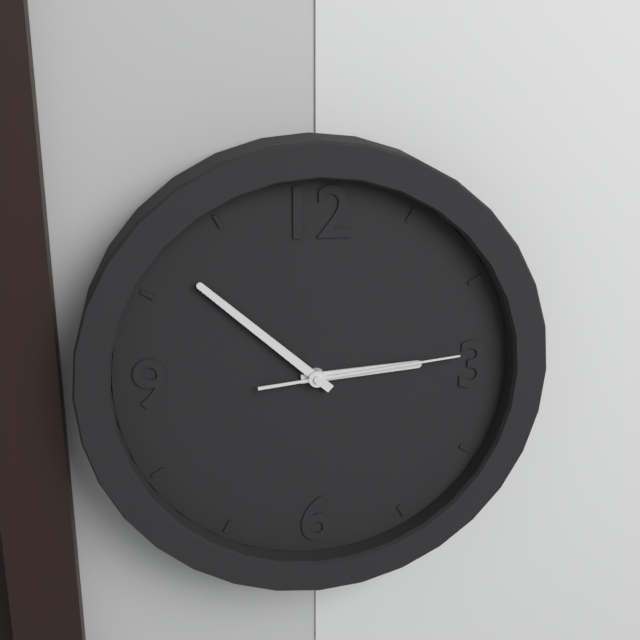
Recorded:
**2:52:14**
